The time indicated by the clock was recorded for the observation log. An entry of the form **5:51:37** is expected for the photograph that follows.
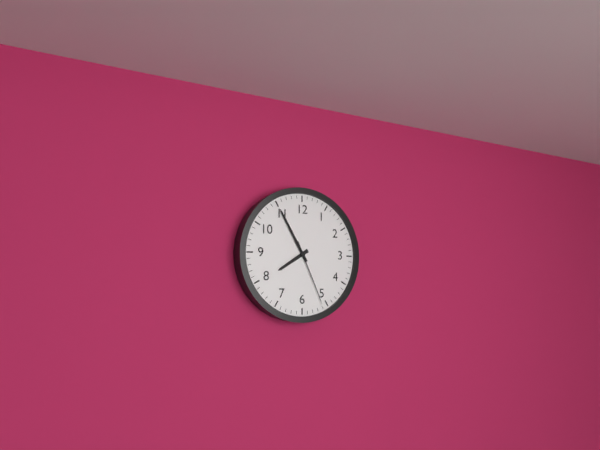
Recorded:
**7:55:26**
